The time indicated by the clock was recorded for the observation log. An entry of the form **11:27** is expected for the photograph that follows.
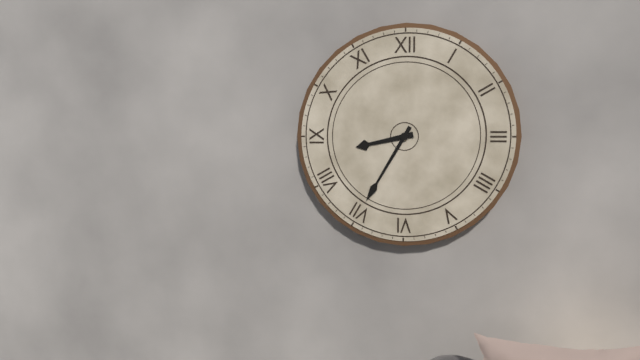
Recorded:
**8:35**
